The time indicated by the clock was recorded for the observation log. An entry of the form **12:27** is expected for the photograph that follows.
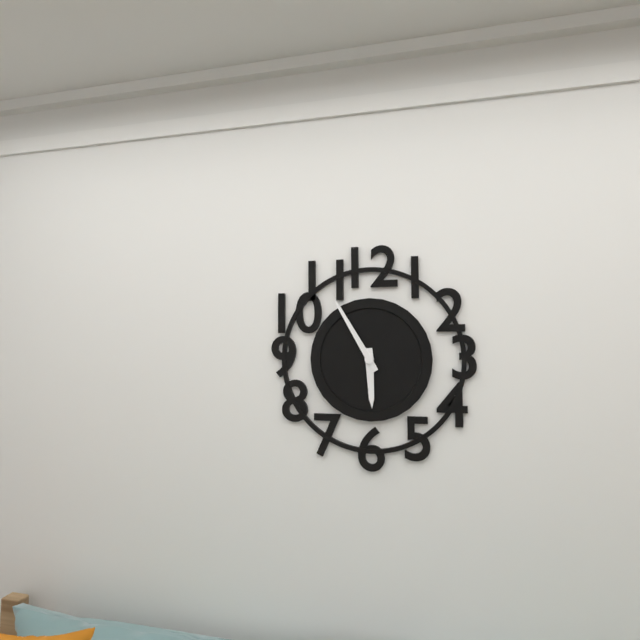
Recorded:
**5:55**
